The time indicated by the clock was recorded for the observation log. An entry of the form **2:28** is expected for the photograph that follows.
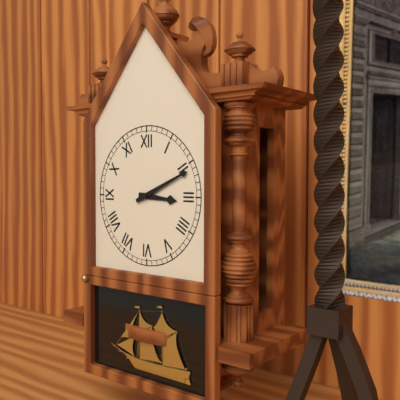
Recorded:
**3:11**
